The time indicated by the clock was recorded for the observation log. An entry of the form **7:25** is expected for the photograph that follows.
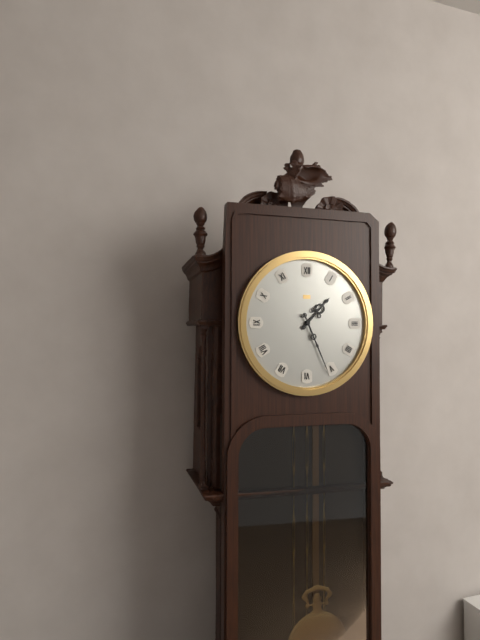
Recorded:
**1:26**
